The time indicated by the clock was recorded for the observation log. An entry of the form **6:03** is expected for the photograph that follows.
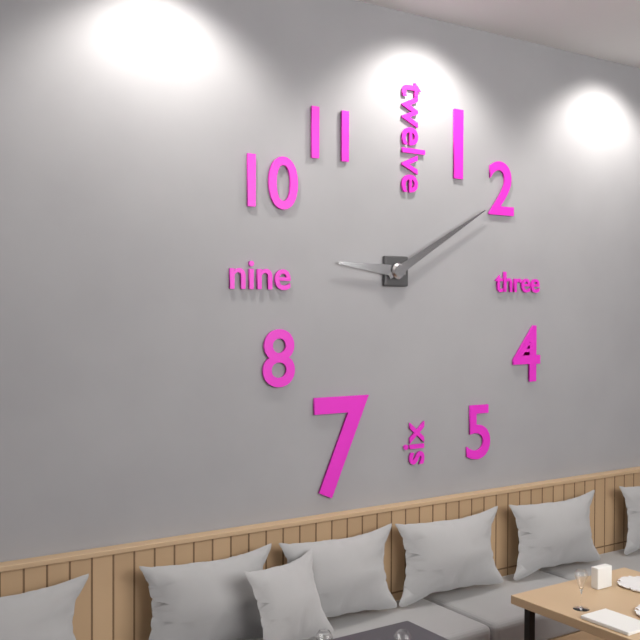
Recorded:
**9:10**
